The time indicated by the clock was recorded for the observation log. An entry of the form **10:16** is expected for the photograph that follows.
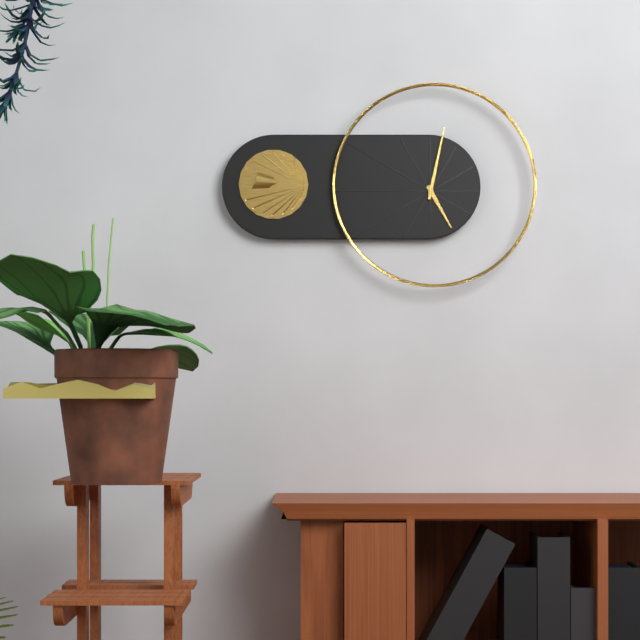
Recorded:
**5:02**
